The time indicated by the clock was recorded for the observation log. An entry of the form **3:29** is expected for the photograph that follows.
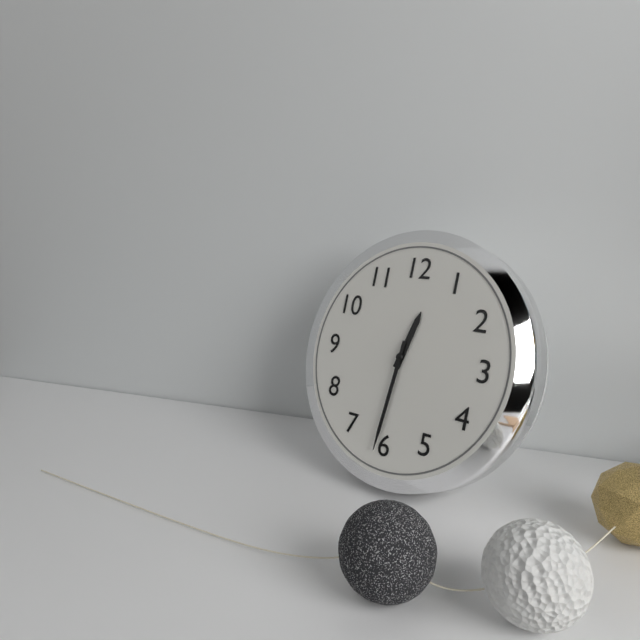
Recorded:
**12:31**
